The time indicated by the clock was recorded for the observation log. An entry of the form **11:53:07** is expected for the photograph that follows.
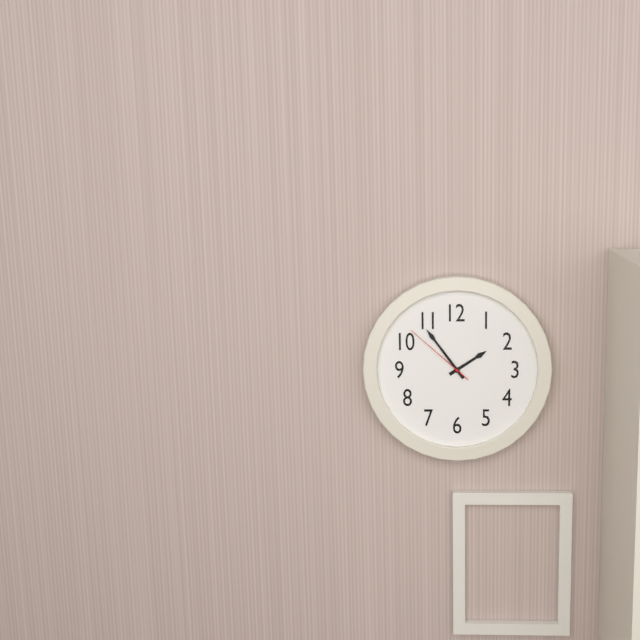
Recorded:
**1:54:52**
